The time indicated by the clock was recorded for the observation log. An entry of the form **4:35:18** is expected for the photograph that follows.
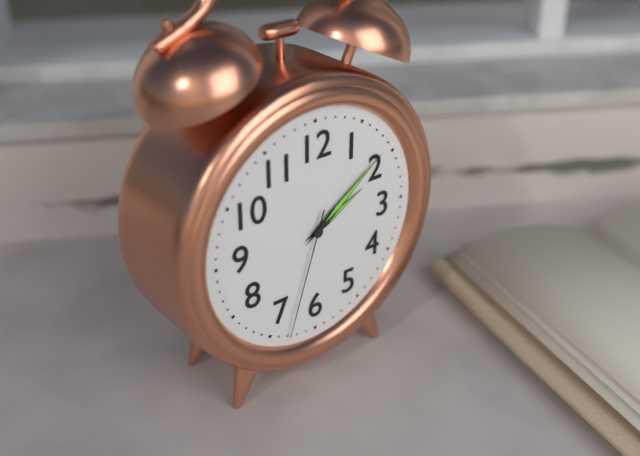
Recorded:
**2:09:33**
